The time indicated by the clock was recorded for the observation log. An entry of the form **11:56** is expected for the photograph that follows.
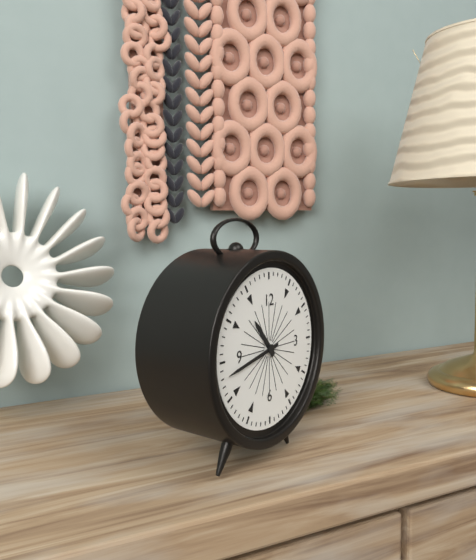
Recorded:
**10:43**
